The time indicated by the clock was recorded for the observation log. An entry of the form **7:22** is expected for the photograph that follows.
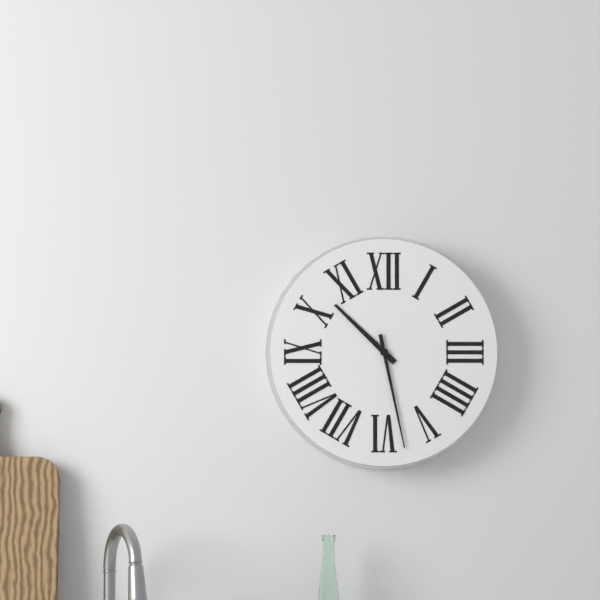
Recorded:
**10:28**
